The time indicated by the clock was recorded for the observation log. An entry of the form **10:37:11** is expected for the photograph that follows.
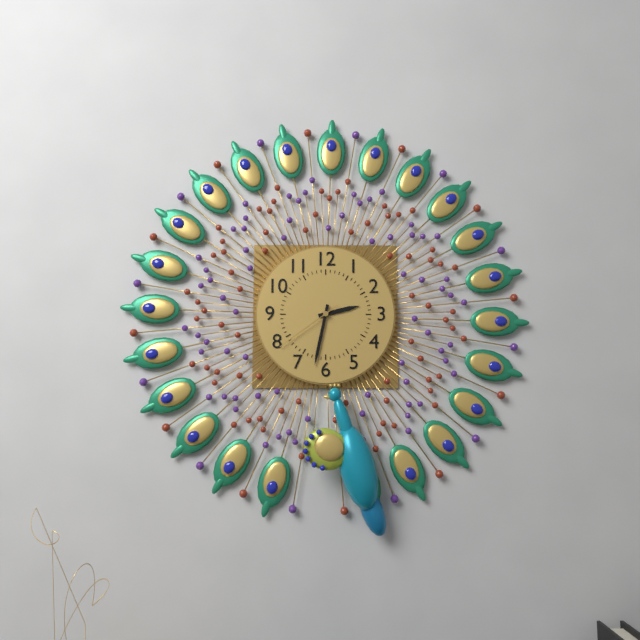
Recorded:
**2:32:39**
